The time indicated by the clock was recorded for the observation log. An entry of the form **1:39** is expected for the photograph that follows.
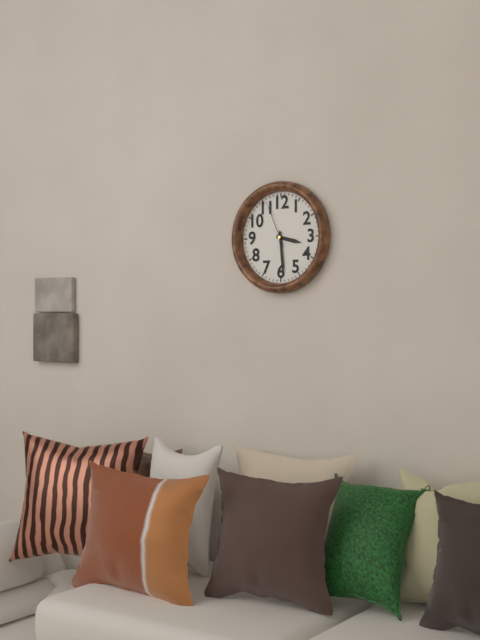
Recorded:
**3:29**
